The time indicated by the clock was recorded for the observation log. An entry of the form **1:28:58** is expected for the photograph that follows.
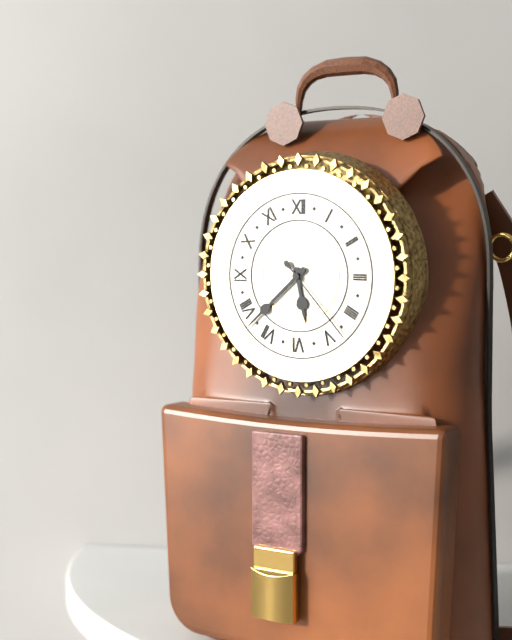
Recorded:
**5:38:23**
